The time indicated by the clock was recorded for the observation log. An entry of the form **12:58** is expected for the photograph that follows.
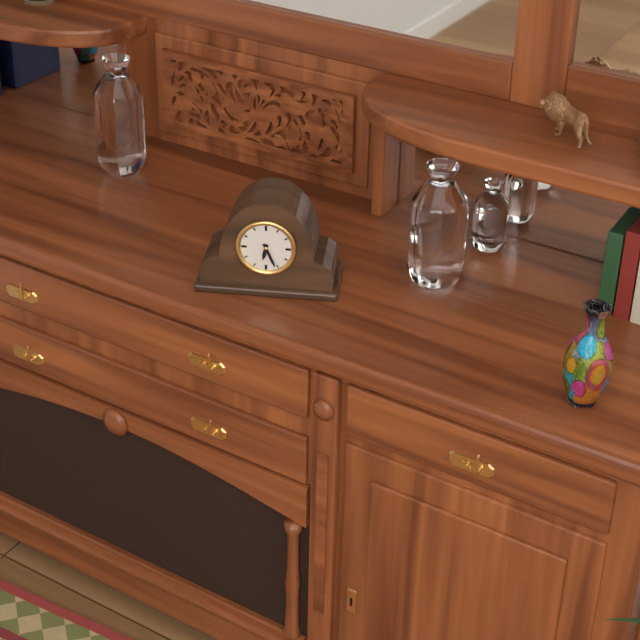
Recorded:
**6:26**
